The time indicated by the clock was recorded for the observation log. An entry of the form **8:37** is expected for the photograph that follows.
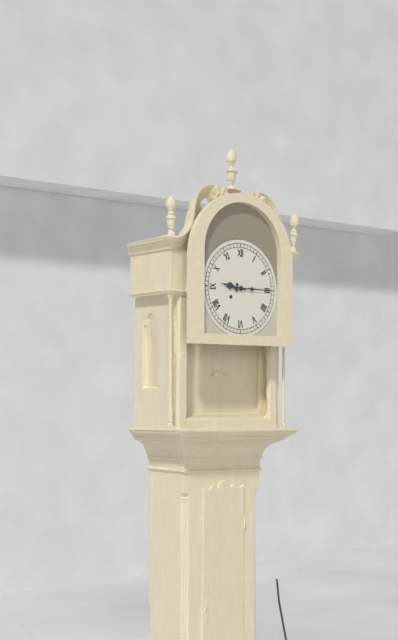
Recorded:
**9:15**
